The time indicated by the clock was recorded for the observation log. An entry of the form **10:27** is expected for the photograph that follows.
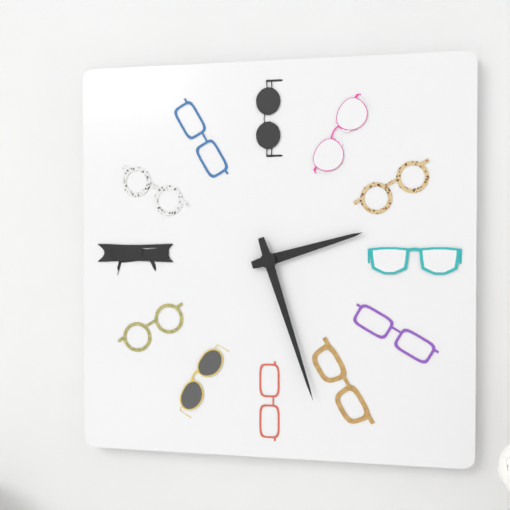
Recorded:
**2:27**
